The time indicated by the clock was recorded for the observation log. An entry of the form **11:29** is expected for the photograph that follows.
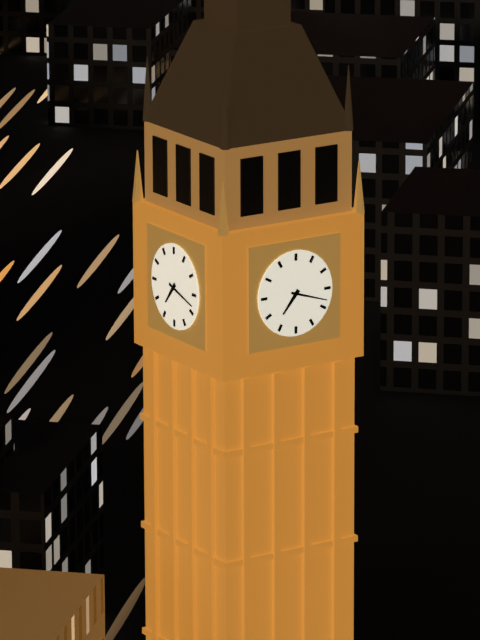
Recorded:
**7:18**
